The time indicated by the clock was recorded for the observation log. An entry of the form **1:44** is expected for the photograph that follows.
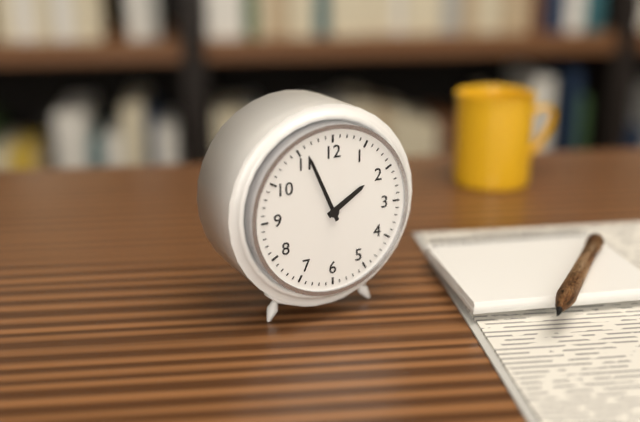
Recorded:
**1:56**
